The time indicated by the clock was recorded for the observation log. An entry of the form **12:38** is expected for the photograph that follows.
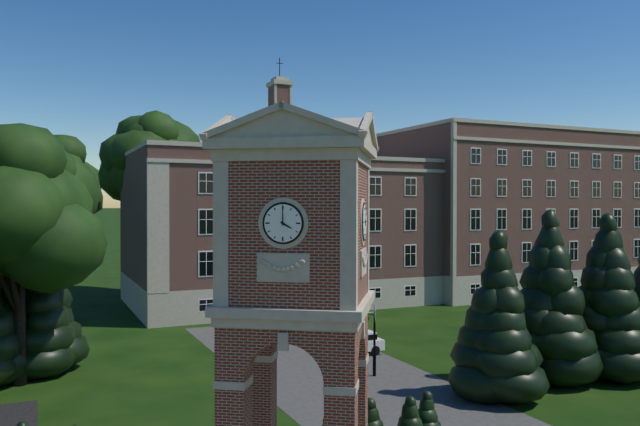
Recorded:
**4:00**
